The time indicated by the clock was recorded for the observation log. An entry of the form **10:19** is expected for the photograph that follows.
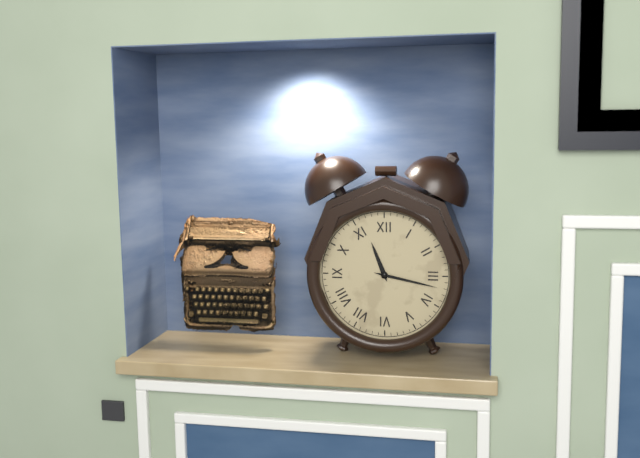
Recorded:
**11:17**
